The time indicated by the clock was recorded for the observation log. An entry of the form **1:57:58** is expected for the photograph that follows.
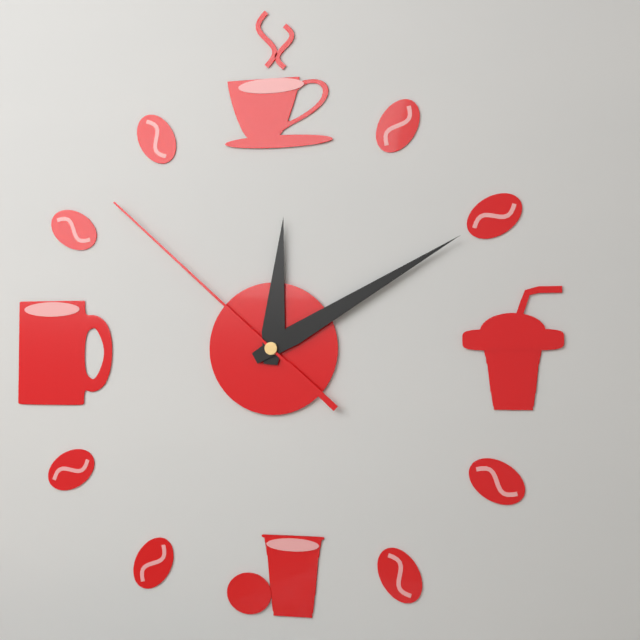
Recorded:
**12:10:52**
